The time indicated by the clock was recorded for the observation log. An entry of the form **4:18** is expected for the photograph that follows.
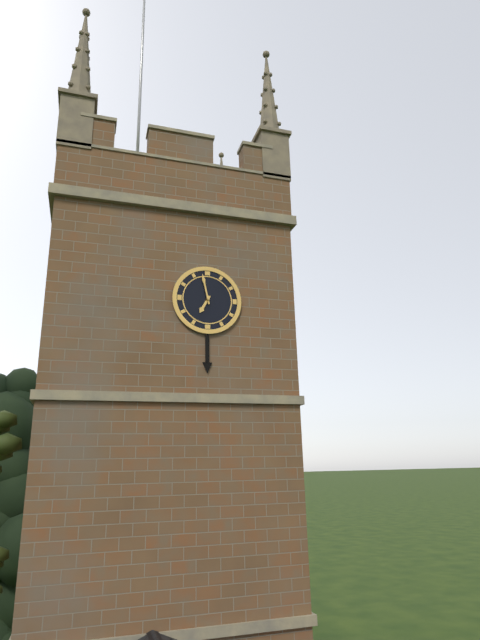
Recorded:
**6:58**
